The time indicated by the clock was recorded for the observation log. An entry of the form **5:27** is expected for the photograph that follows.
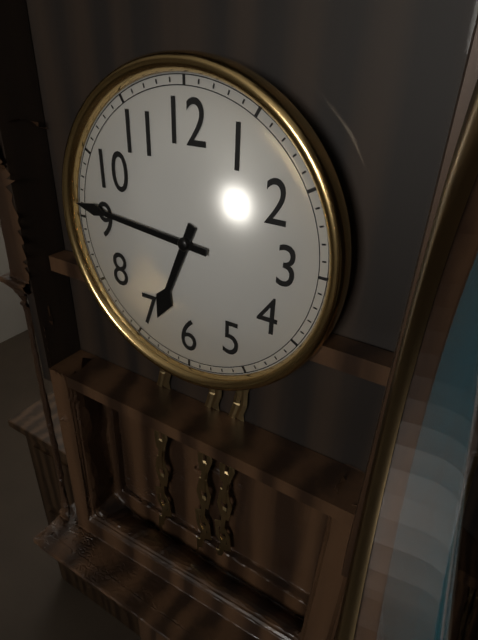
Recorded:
**6:46**
